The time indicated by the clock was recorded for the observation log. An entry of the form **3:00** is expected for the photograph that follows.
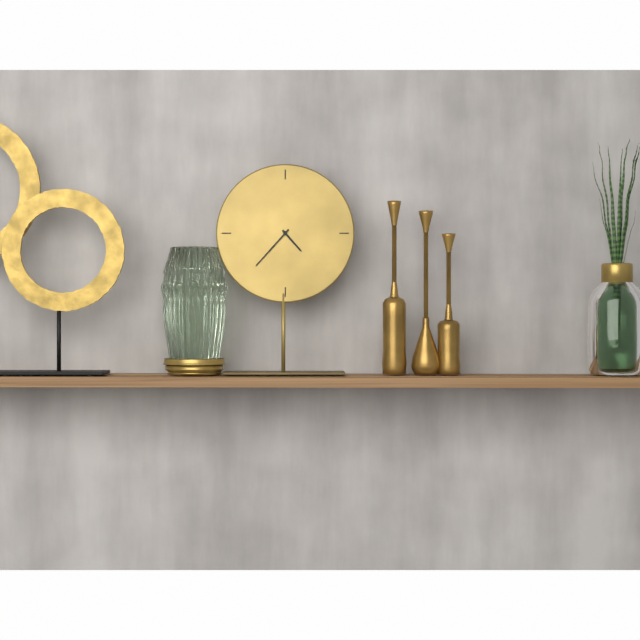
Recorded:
**4:37**
